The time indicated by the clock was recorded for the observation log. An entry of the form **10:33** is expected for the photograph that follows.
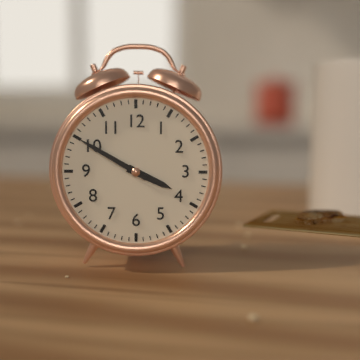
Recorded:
**3:50**
